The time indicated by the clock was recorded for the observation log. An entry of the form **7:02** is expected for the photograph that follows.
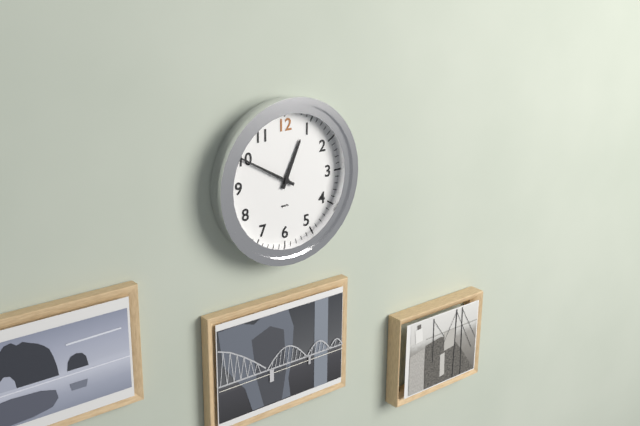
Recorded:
**12:50**
